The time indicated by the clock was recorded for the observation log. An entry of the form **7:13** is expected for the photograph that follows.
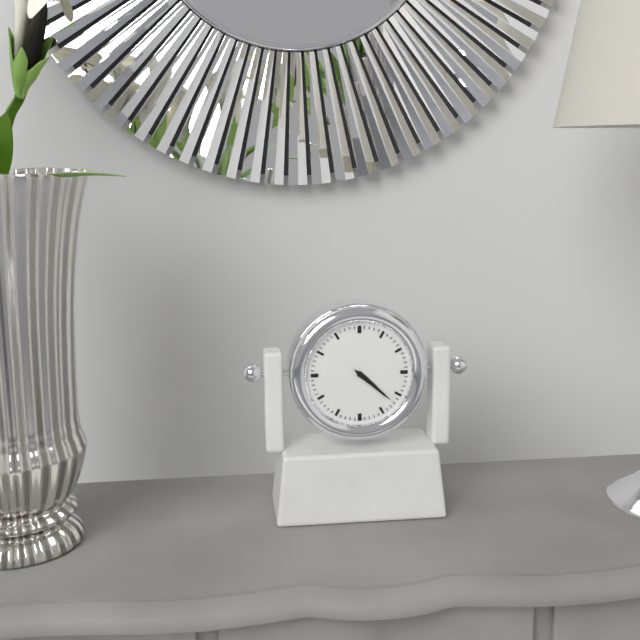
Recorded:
**4:22**
